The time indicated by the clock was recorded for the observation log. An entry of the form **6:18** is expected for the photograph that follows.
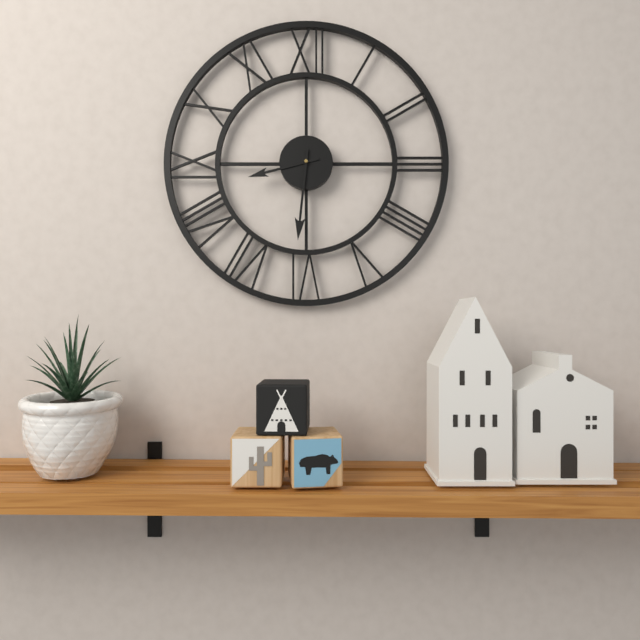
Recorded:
**8:31**
